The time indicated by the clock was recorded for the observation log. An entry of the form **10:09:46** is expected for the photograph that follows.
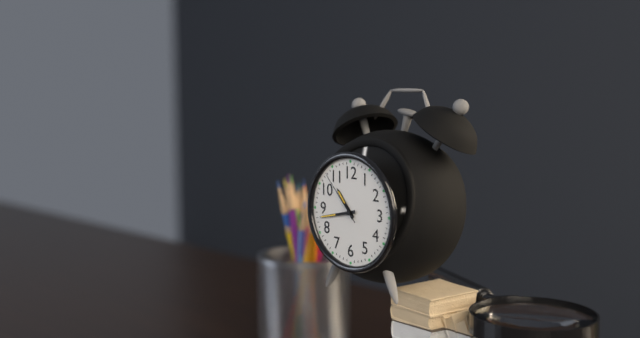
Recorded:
**10:43:53**
